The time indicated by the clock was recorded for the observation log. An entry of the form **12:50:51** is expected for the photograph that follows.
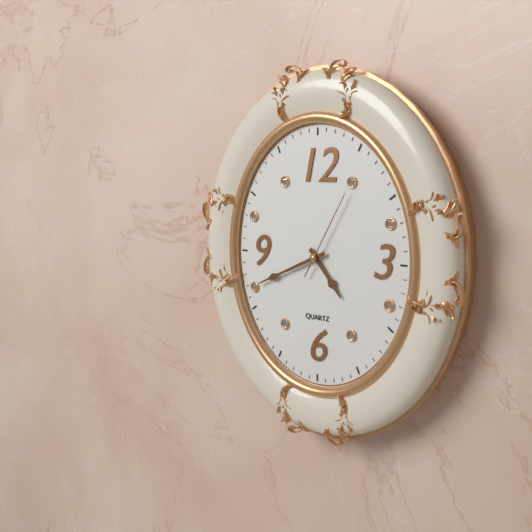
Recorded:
**4:41:05**
